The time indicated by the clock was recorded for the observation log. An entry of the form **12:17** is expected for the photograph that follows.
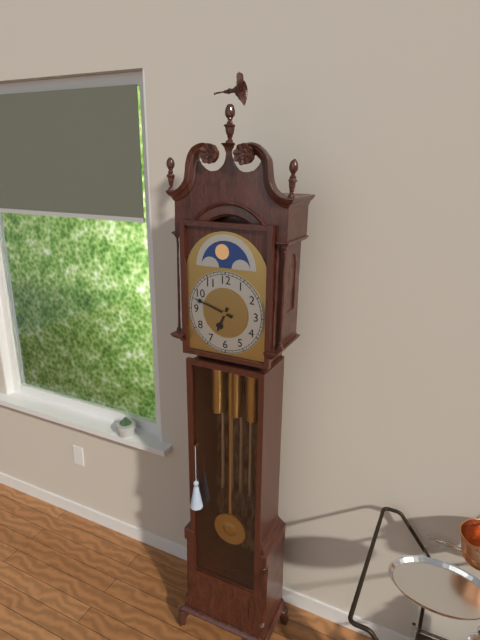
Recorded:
**6:48**
